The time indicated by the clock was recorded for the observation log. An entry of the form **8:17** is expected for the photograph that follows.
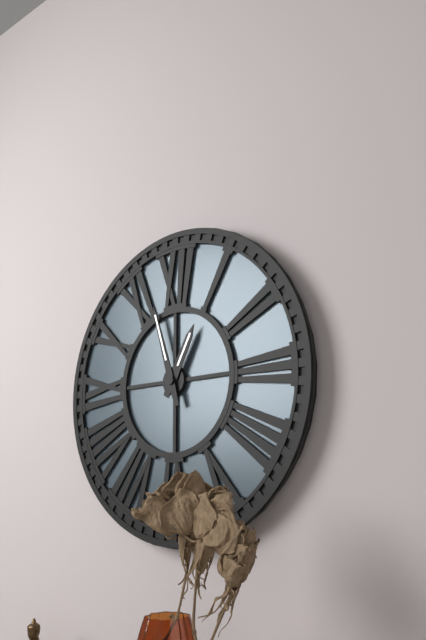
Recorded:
**12:57**
